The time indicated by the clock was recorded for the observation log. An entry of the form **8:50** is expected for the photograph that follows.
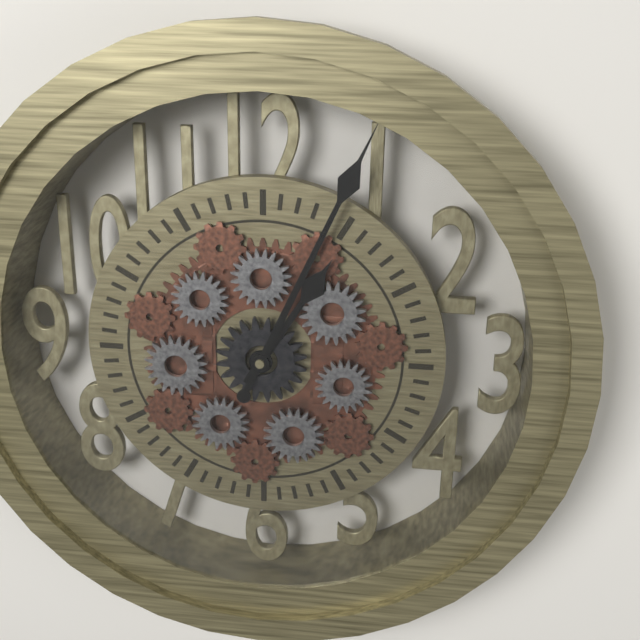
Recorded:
**1:04**
